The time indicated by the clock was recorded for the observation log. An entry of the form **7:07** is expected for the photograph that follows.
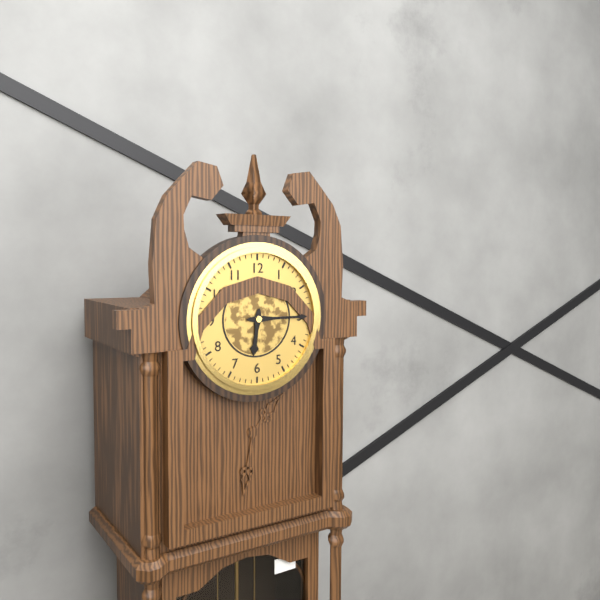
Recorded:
**6:15**
